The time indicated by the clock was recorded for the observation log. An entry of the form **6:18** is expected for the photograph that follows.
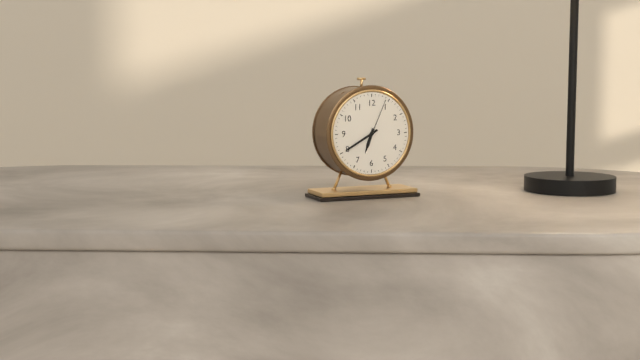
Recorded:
**6:40**
